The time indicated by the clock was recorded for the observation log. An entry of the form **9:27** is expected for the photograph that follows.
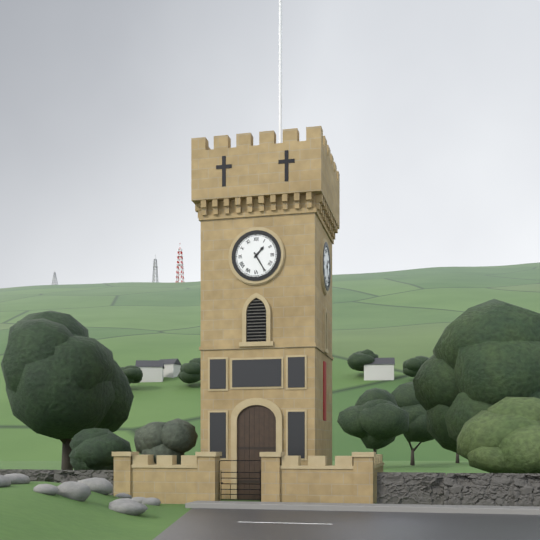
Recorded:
**1:25**
